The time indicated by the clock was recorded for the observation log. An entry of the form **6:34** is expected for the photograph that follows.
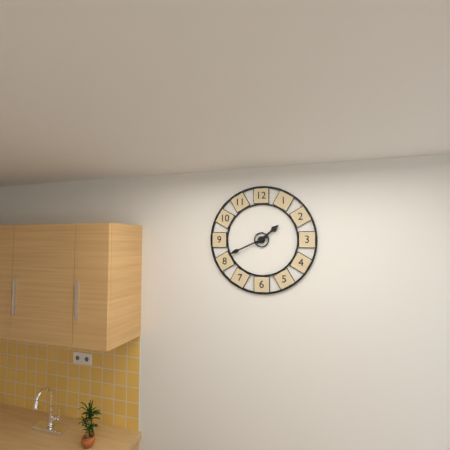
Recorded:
**1:41**
